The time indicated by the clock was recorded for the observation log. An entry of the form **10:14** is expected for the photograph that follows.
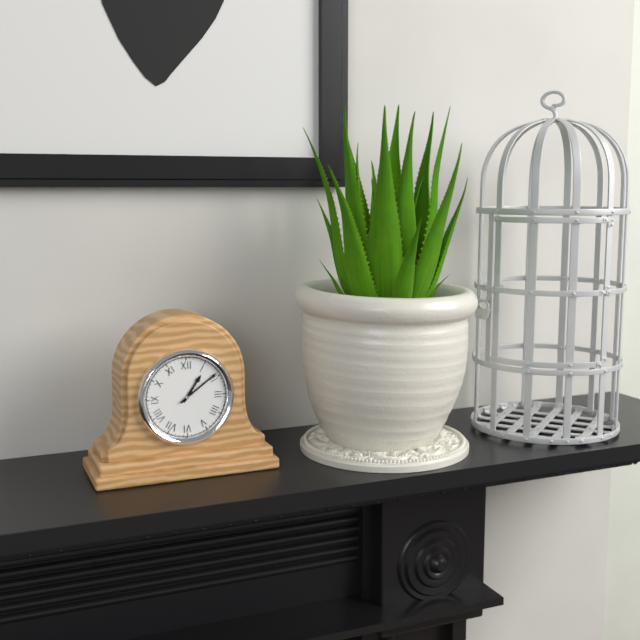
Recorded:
**1:09**
